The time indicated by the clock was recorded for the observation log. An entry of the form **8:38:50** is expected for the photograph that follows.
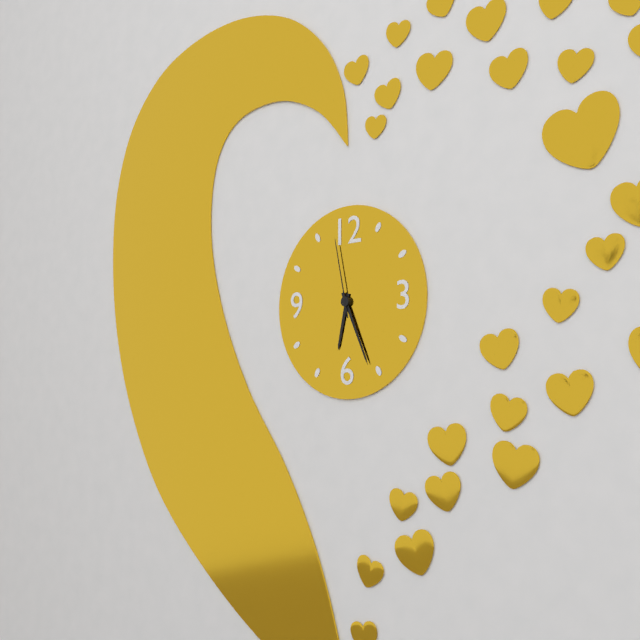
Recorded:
**6:26:58**
